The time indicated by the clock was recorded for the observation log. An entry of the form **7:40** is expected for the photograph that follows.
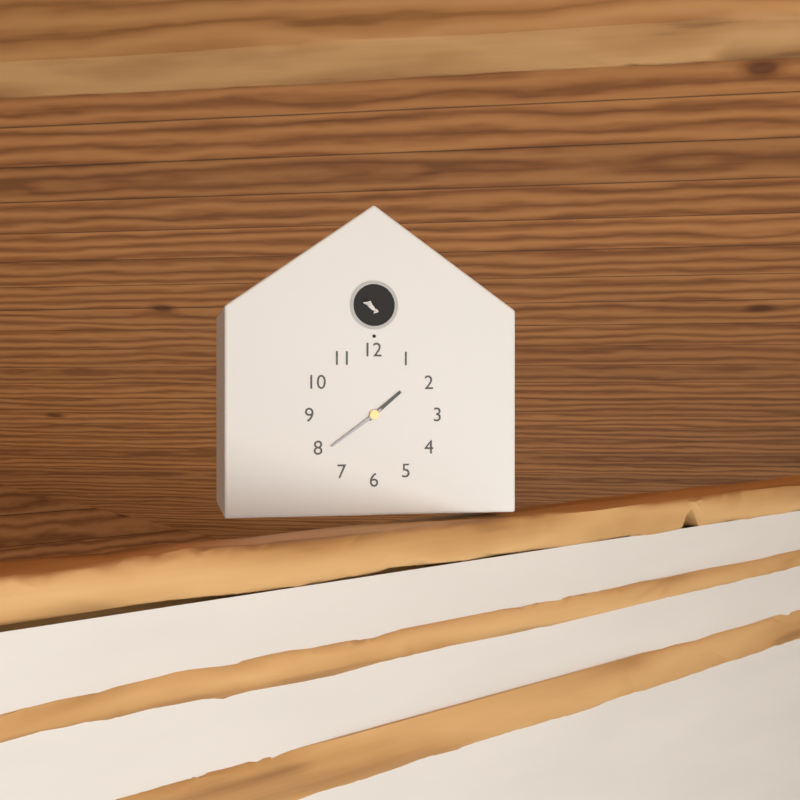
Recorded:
**1:39**
